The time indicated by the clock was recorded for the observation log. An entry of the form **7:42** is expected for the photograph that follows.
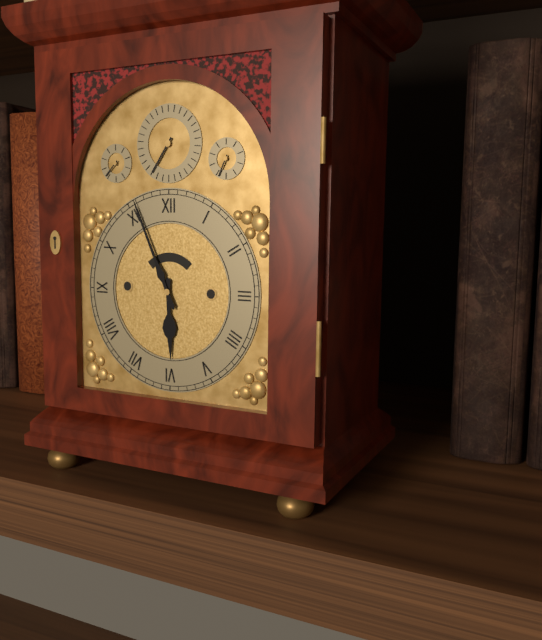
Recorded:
**5:56**
